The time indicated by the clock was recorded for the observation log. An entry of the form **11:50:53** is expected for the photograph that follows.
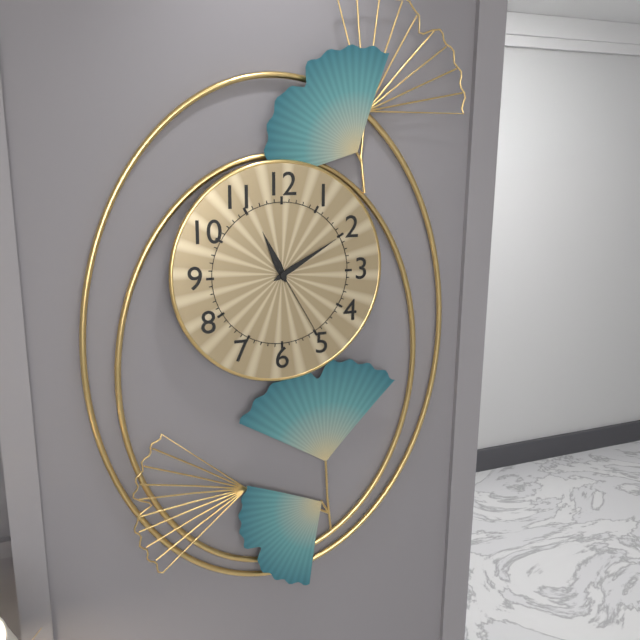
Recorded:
**11:10:25**
